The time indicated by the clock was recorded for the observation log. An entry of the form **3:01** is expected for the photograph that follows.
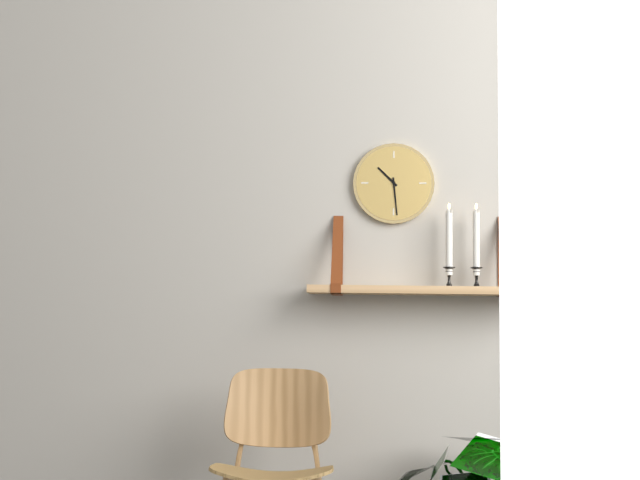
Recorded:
**10:29**
